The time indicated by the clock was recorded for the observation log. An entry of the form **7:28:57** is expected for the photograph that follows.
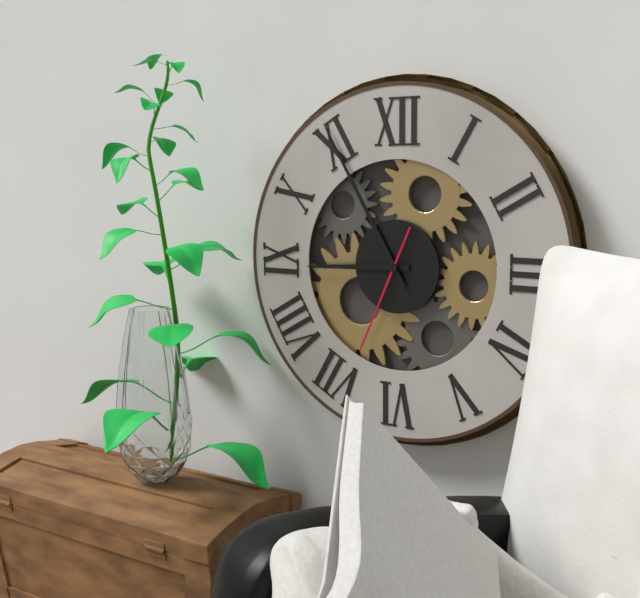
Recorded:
**8:55:34**
